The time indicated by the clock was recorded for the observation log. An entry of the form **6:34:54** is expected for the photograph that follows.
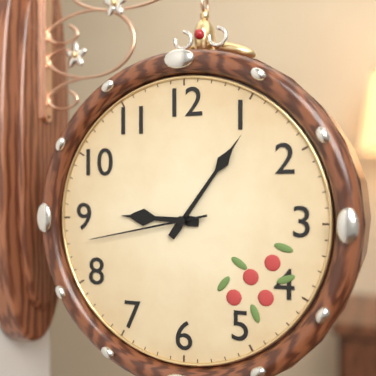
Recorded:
**9:06:43**
